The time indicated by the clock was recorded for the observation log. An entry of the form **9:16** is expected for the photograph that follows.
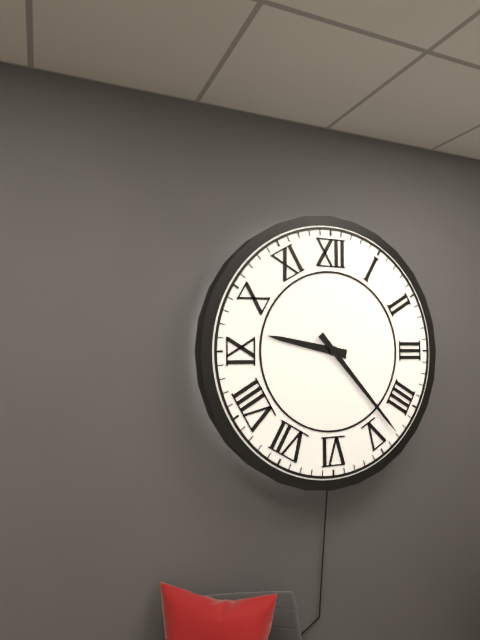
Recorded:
**9:23**
